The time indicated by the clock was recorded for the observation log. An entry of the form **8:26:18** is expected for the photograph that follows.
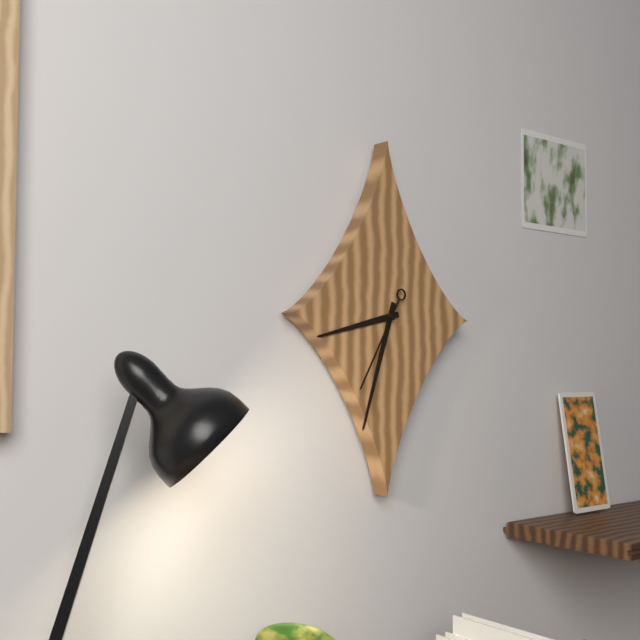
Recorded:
**8:33:35**
